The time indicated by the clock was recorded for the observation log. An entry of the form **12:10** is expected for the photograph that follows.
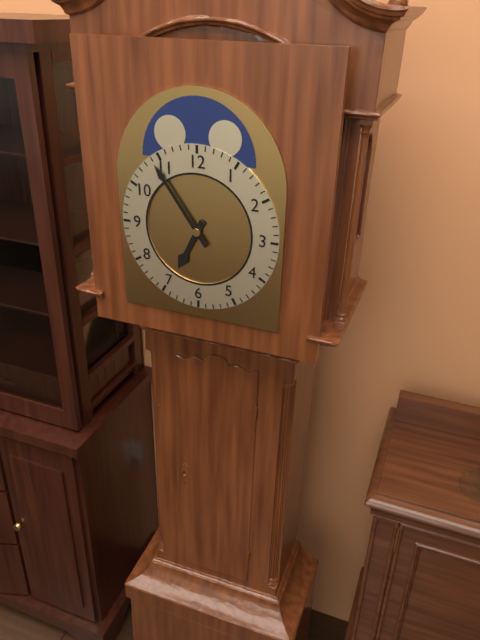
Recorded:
**6:54**
